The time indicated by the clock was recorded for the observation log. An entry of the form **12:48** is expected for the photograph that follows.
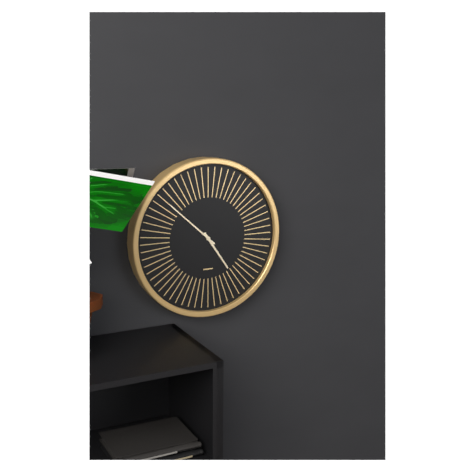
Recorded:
**4:52**
